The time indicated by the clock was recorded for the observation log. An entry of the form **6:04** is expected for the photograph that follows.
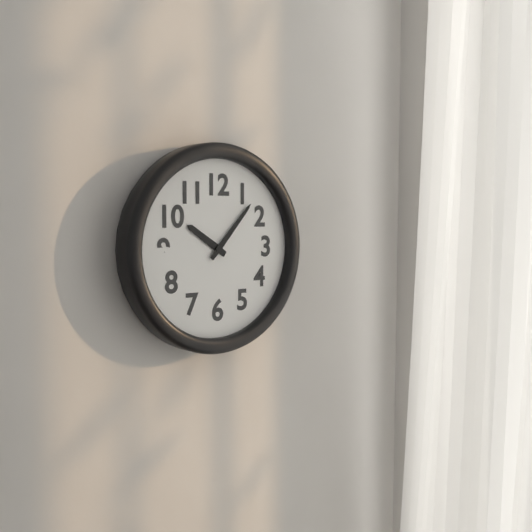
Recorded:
**10:07**
